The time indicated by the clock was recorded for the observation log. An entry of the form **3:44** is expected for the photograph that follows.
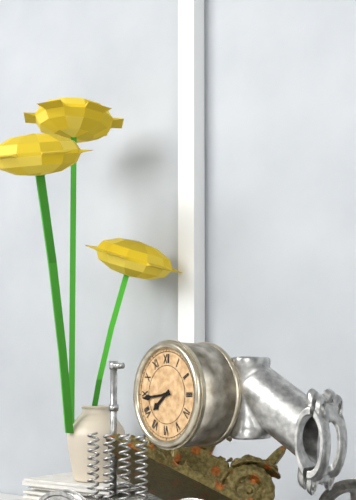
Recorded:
**7:44**
